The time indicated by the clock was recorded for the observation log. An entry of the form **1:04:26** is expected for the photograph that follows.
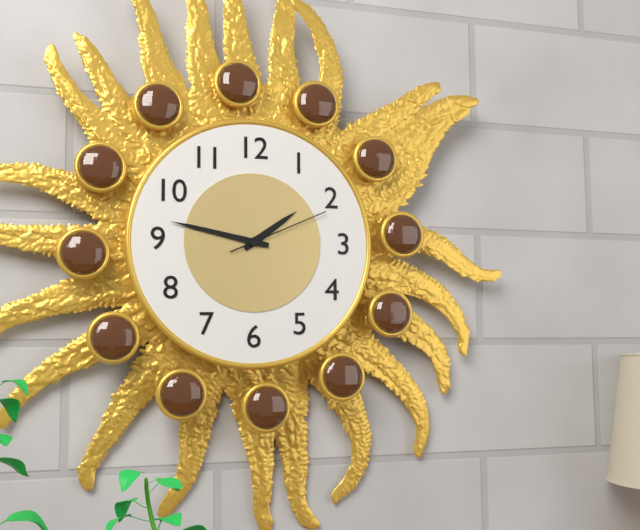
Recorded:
**1:47:11**
